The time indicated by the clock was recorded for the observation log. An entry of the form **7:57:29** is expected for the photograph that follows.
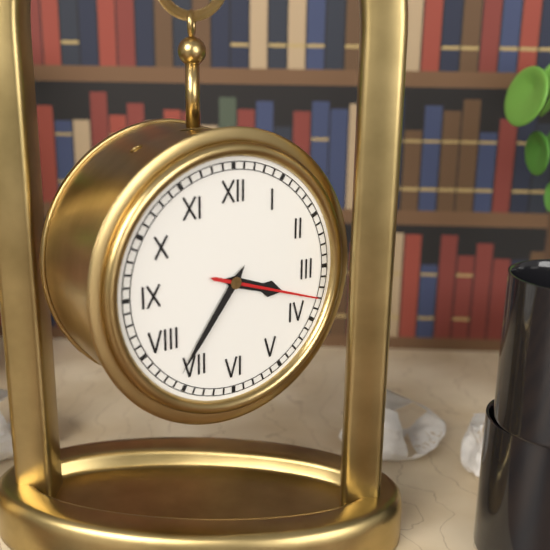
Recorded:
**3:36:18**
